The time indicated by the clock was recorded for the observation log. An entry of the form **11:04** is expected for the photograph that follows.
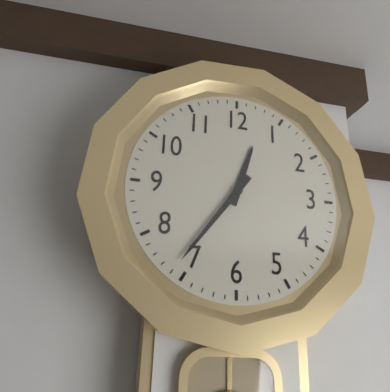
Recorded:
**12:36**
